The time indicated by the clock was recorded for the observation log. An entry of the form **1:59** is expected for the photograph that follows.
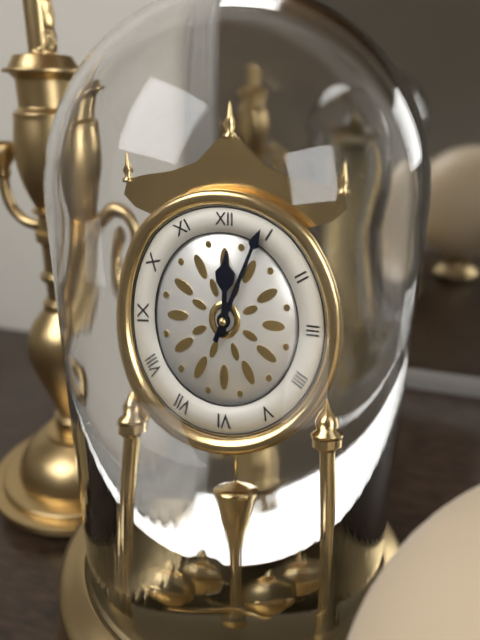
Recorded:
**12:04**
